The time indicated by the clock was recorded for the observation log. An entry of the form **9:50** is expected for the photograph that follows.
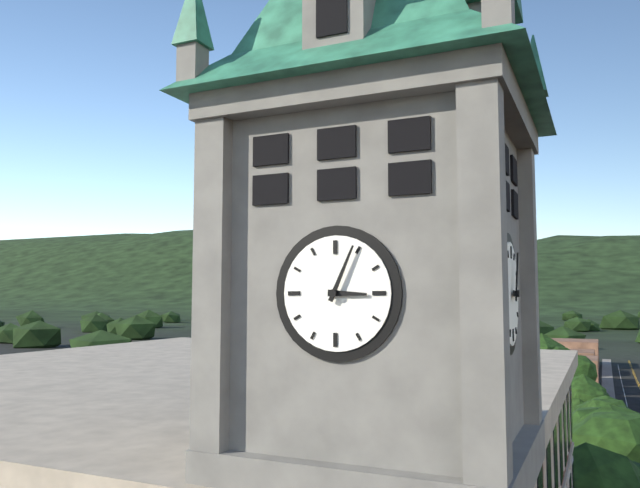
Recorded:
**3:04**
